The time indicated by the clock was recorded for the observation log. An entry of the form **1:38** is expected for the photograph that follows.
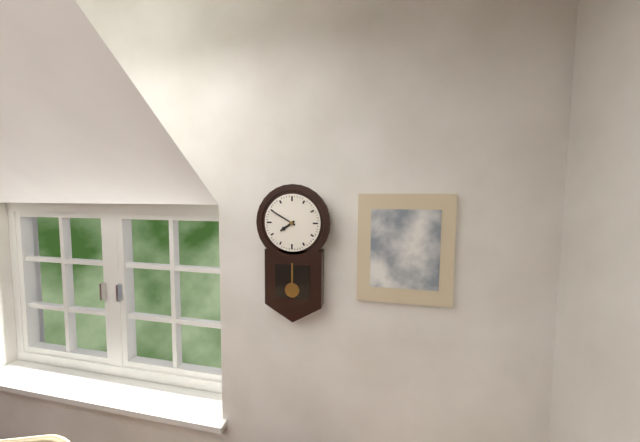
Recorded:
**7:50**
